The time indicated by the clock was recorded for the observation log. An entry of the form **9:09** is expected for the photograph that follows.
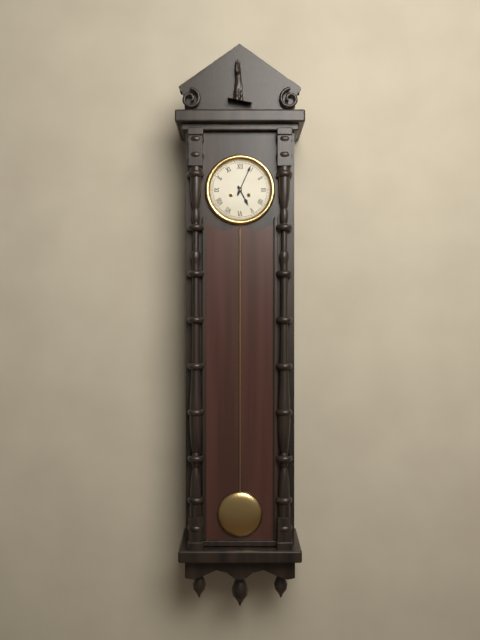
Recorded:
**5:04**
